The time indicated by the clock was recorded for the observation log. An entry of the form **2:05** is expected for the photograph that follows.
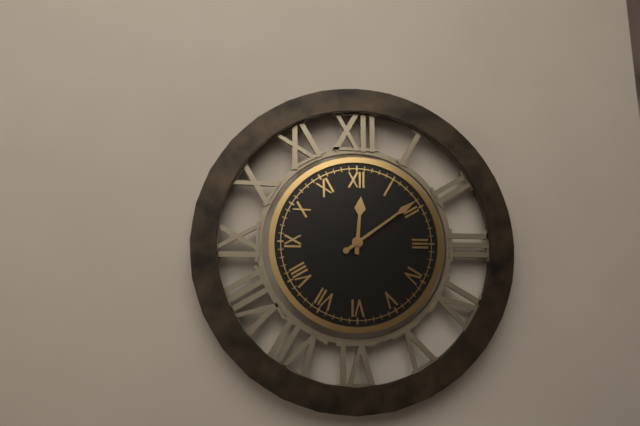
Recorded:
**12:09**
